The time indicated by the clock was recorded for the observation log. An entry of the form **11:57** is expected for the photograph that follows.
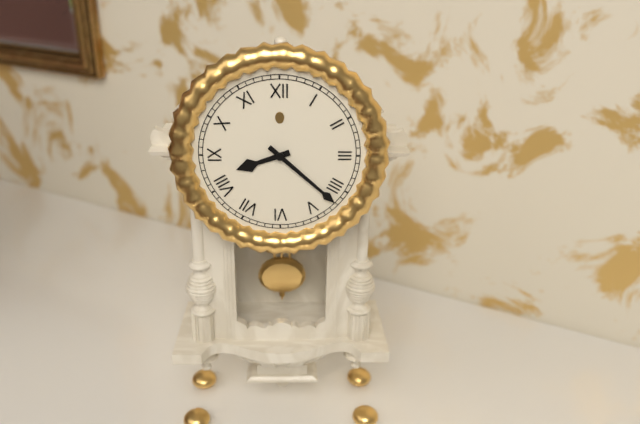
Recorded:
**8:22**
